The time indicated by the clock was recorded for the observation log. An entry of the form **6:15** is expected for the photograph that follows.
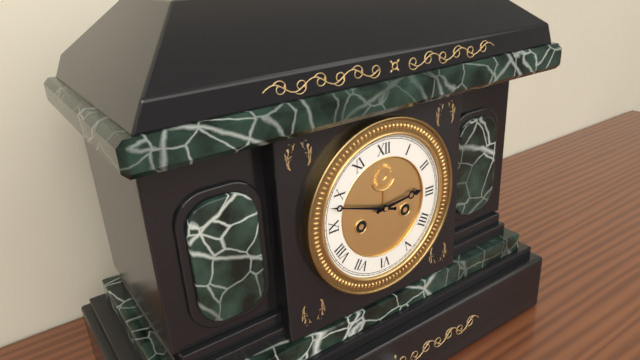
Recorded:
**2:48**
